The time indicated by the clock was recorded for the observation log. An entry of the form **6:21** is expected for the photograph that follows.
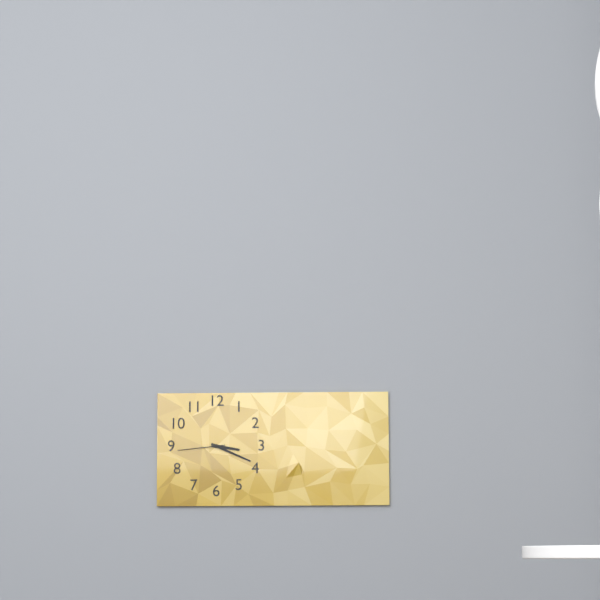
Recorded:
**3:19**
